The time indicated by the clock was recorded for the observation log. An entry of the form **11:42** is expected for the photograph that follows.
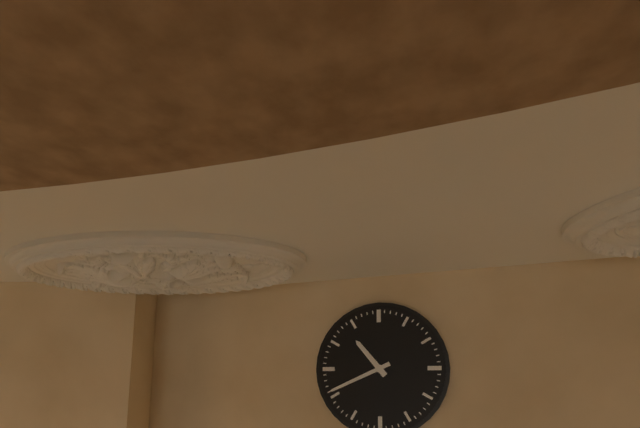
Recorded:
**10:41**
